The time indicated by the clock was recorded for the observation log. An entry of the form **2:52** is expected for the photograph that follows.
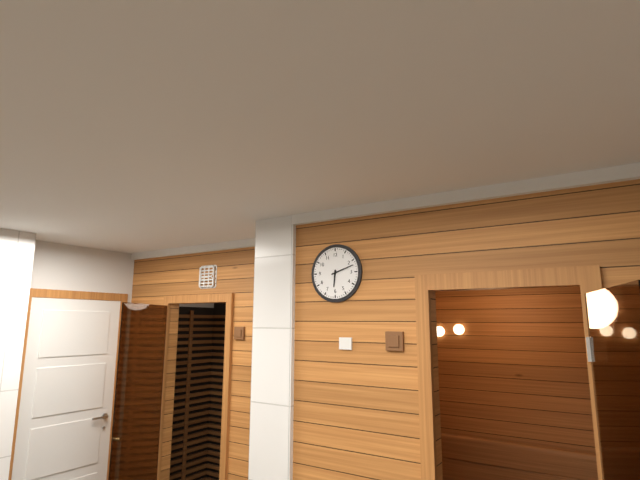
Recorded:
**6:12**
